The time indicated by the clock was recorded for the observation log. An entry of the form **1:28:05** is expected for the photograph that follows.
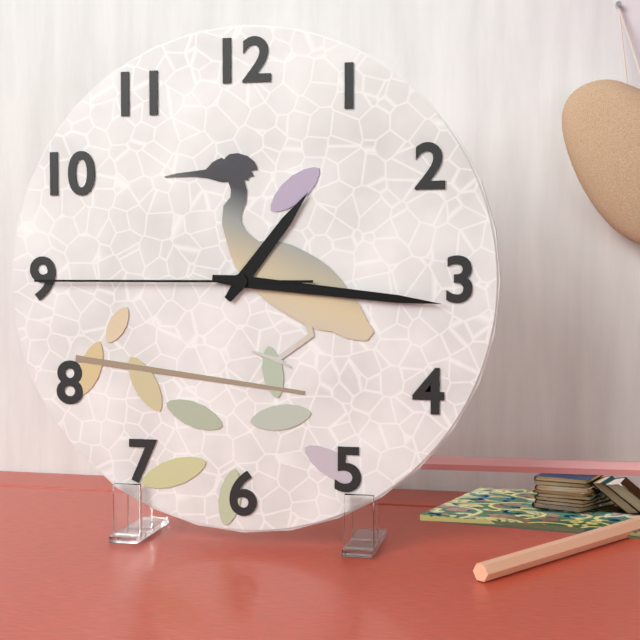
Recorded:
**1:16:45**
